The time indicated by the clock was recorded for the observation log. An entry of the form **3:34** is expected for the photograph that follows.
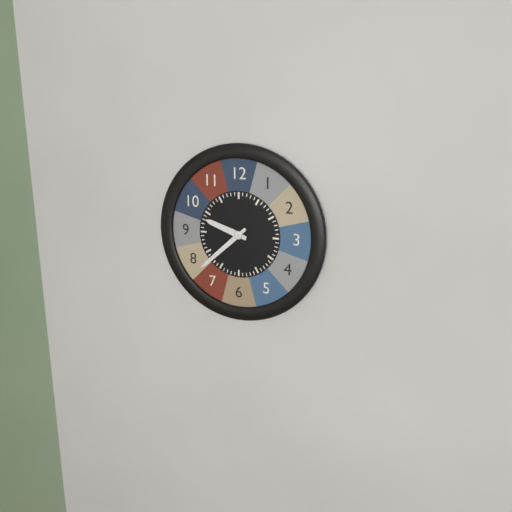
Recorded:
**9:38**
